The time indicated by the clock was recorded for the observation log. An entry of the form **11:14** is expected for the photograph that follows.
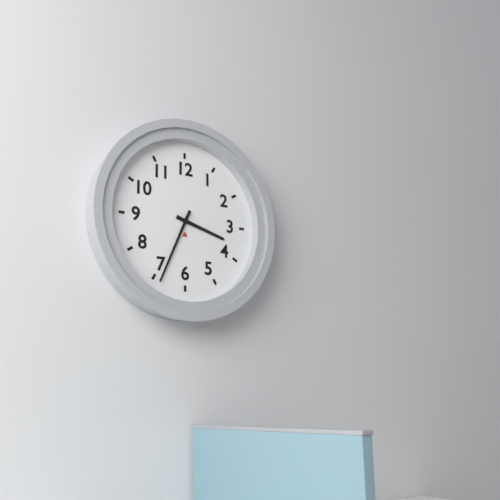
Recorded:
**3:34**
